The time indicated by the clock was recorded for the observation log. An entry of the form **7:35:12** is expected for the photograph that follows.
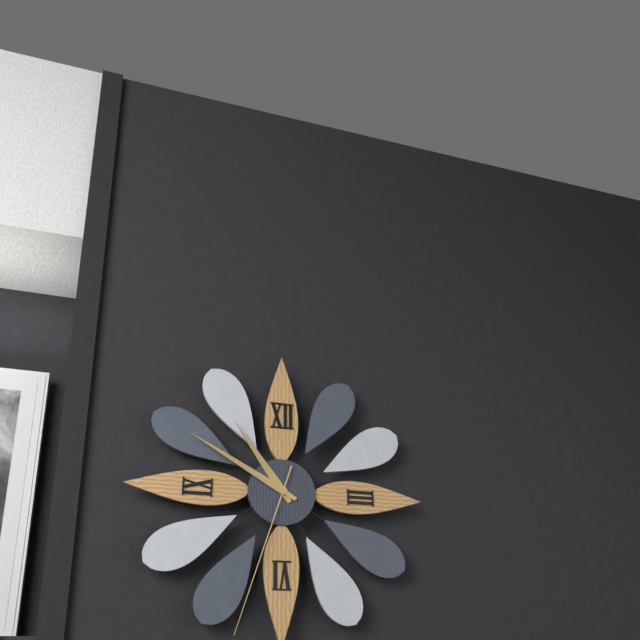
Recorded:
**10:50:33**
